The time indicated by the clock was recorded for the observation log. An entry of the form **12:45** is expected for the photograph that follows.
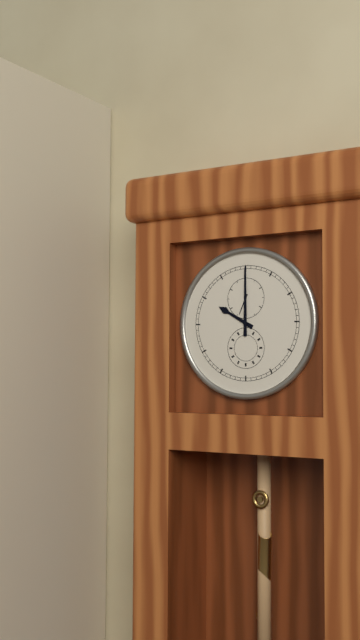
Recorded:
**10:00**
